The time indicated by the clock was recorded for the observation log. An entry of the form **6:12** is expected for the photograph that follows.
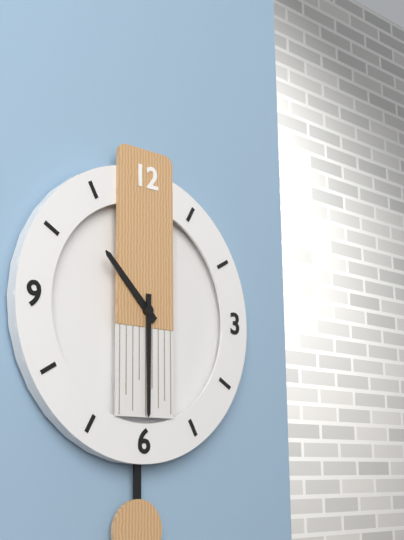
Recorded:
**10:30**
